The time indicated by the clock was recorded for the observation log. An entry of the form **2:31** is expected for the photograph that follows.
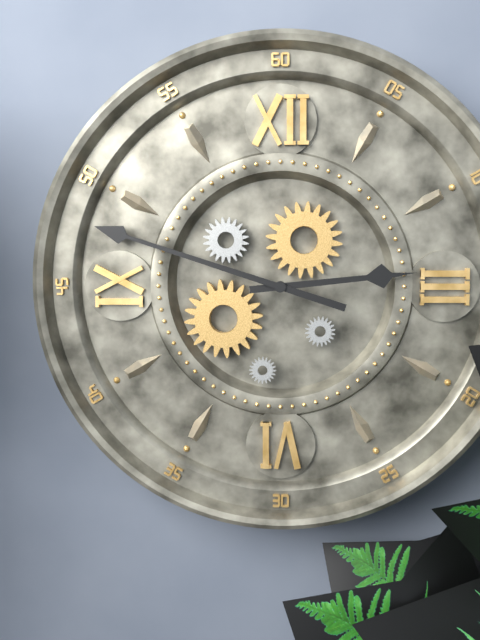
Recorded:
**2:48**
